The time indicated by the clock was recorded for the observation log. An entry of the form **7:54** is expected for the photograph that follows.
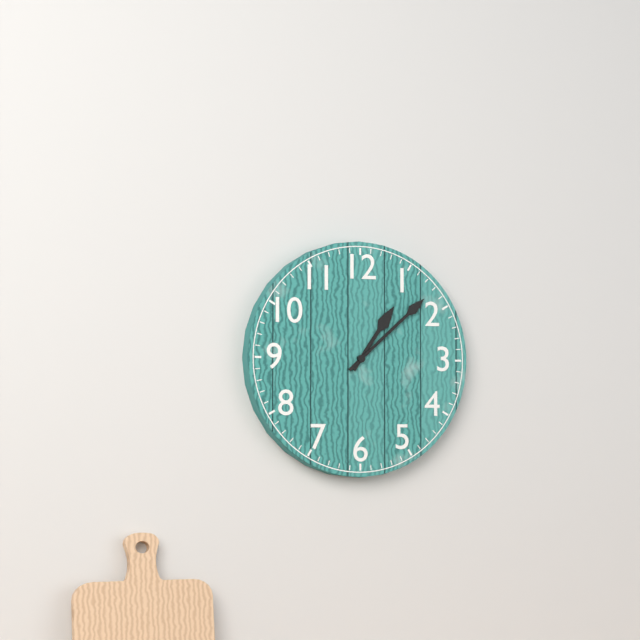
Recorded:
**1:08**
